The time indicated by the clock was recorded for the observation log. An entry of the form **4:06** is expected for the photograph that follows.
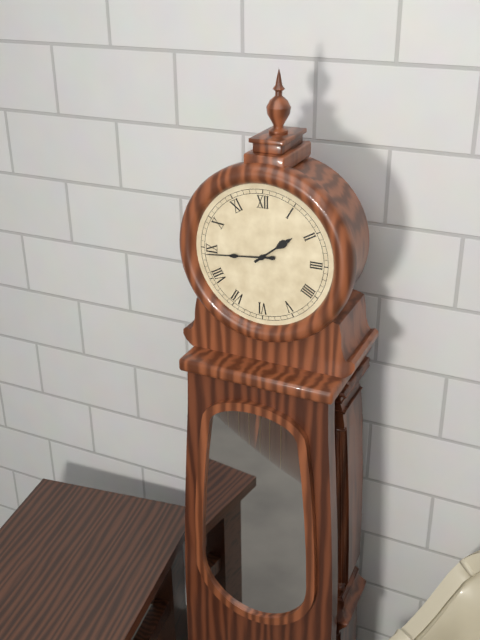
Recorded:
**1:44**
